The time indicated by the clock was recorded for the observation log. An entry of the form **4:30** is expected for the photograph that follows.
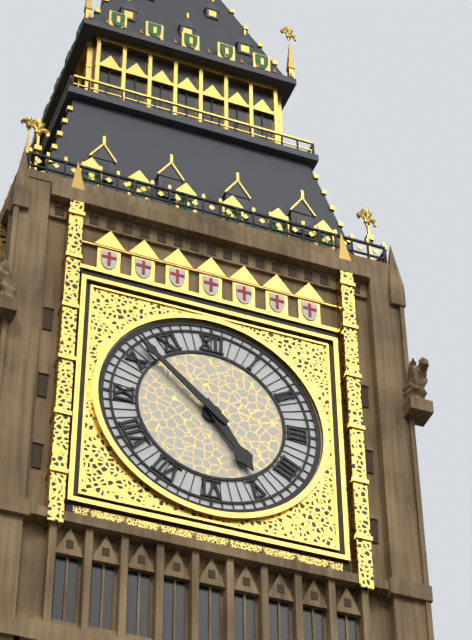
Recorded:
**4:52**
